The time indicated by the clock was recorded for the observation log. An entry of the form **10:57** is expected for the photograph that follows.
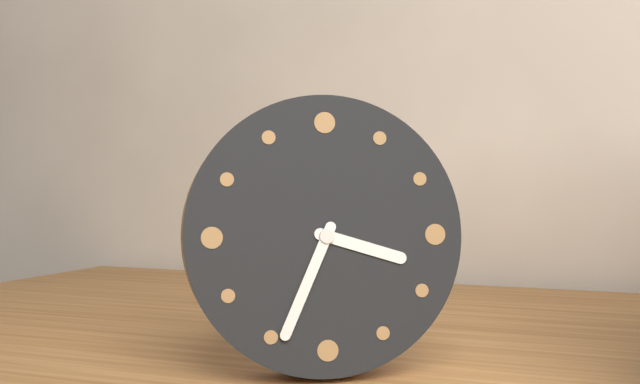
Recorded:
**3:34**
